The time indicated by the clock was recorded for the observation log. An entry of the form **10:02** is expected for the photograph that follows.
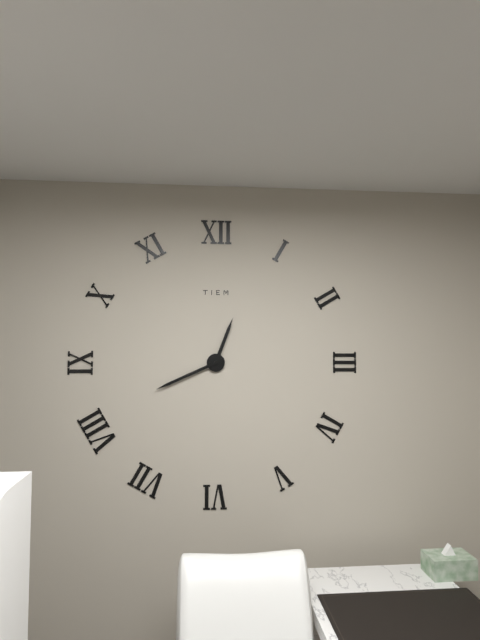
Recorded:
**12:41**
